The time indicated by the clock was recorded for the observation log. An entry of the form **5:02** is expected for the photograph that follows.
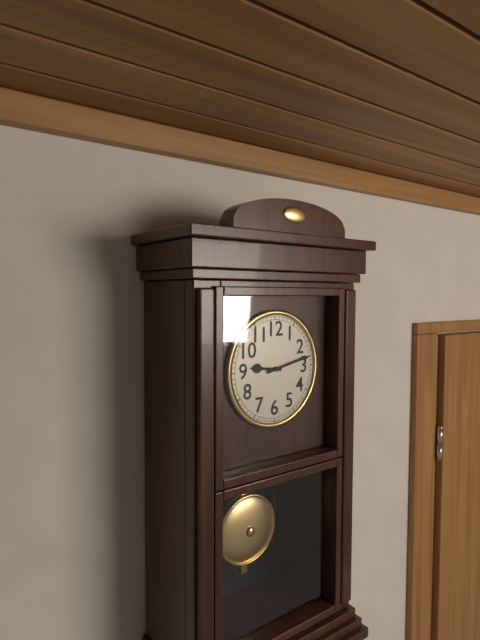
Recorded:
**9:13**
